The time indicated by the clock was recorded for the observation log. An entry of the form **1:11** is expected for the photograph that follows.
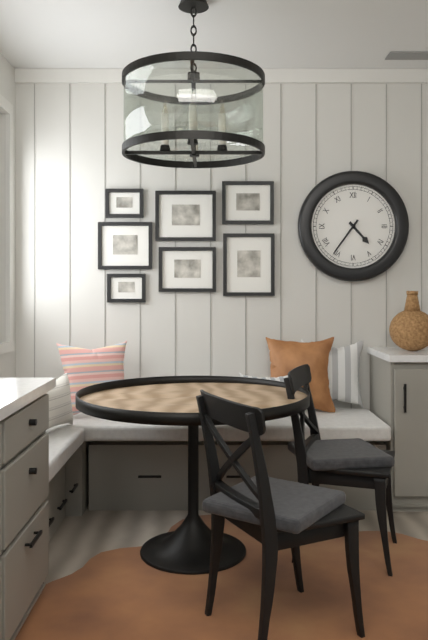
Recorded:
**4:36**
